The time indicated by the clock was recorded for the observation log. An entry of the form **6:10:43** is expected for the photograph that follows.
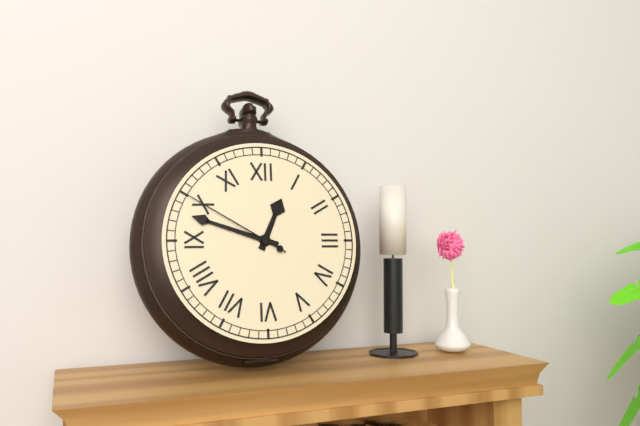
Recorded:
**12:48:50**
